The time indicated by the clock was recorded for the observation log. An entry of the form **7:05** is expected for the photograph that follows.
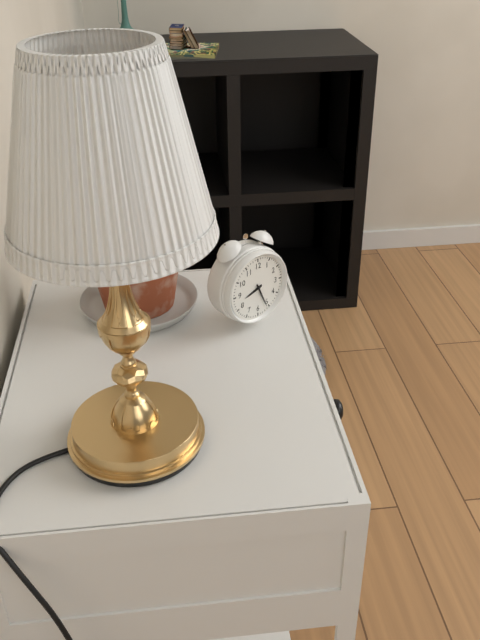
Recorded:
**8:26**
